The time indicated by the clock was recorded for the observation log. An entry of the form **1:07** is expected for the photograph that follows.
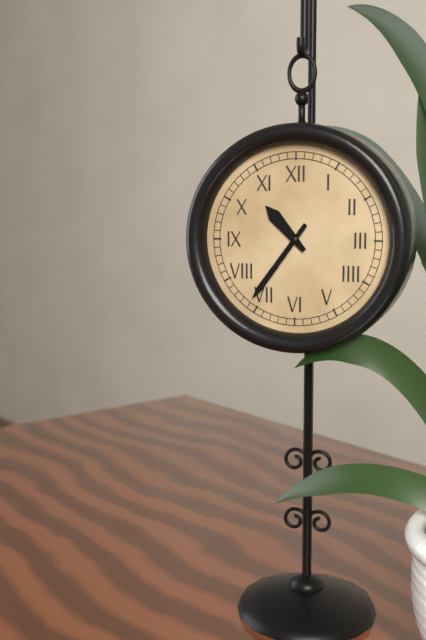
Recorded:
**10:36**
